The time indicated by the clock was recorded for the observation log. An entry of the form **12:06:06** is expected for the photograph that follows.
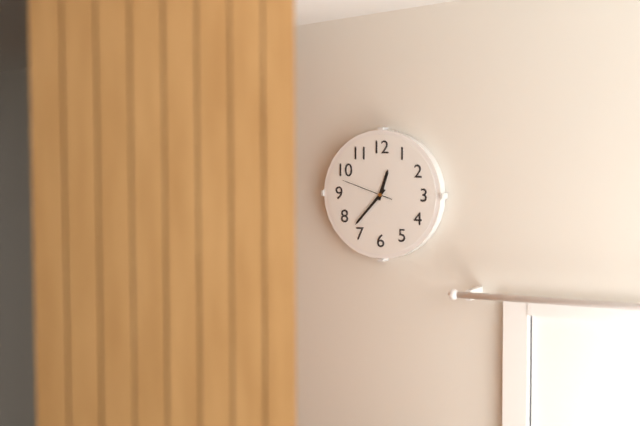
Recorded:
**12:37:48**
